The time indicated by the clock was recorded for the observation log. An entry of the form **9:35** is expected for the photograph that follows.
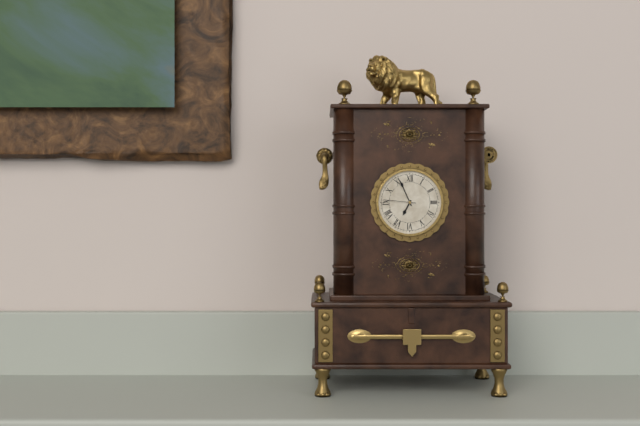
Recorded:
**6:56**
